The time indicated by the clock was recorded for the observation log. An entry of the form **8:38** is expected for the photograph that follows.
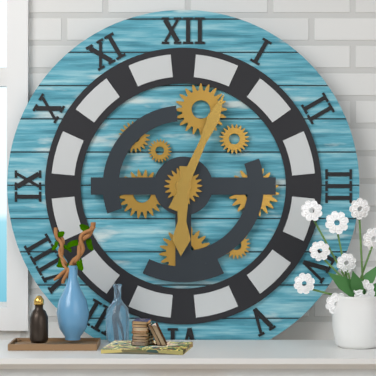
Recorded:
**6:04**
